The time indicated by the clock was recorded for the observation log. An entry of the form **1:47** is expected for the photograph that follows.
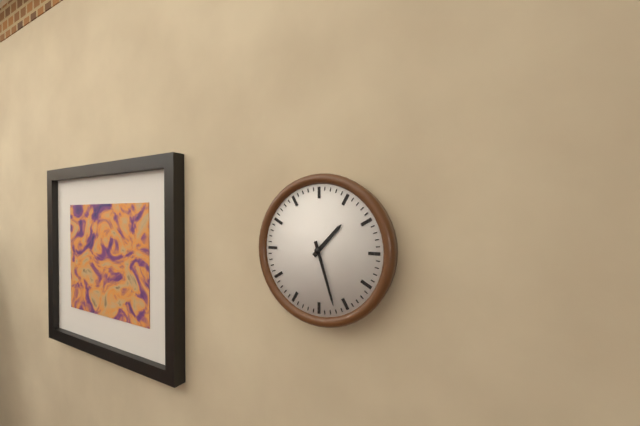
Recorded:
**1:27**
